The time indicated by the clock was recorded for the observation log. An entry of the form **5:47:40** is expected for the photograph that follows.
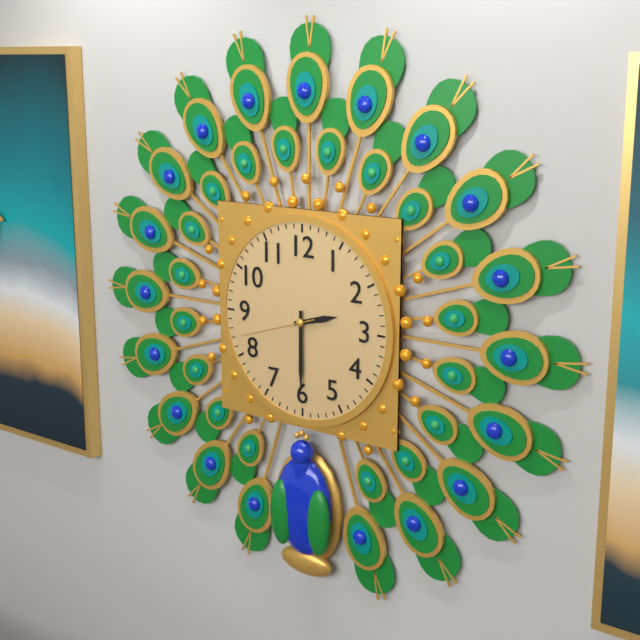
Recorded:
**2:30:42**
